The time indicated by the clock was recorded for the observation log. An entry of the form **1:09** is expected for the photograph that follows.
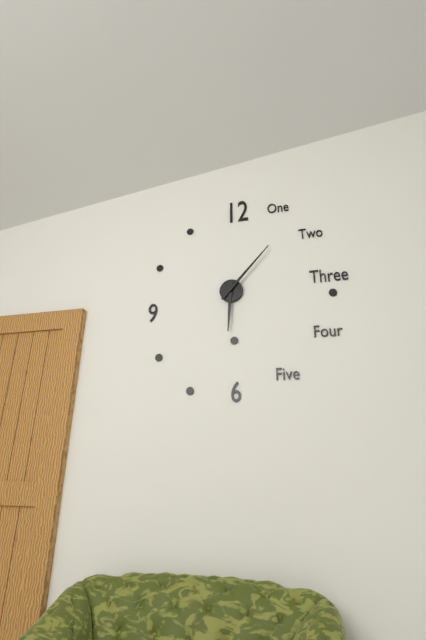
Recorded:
**6:07**
